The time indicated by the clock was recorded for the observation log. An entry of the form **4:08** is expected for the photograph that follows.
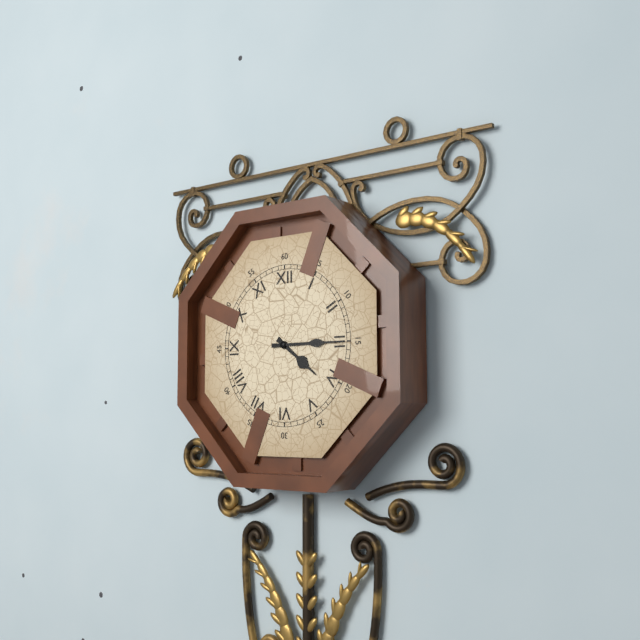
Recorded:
**4:15**
